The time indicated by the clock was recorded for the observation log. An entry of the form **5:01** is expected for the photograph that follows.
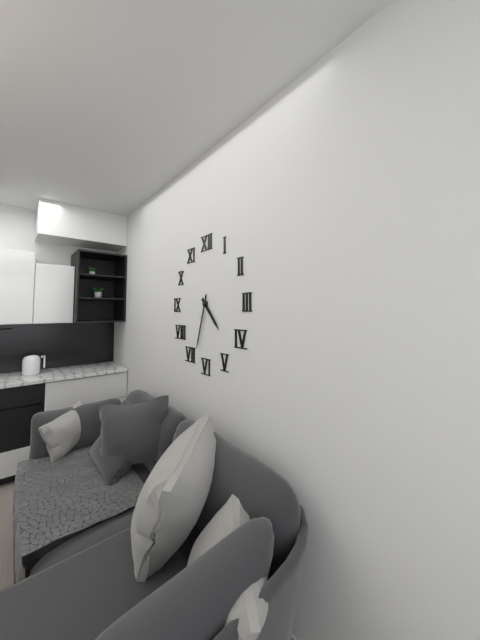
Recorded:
**4:33**
